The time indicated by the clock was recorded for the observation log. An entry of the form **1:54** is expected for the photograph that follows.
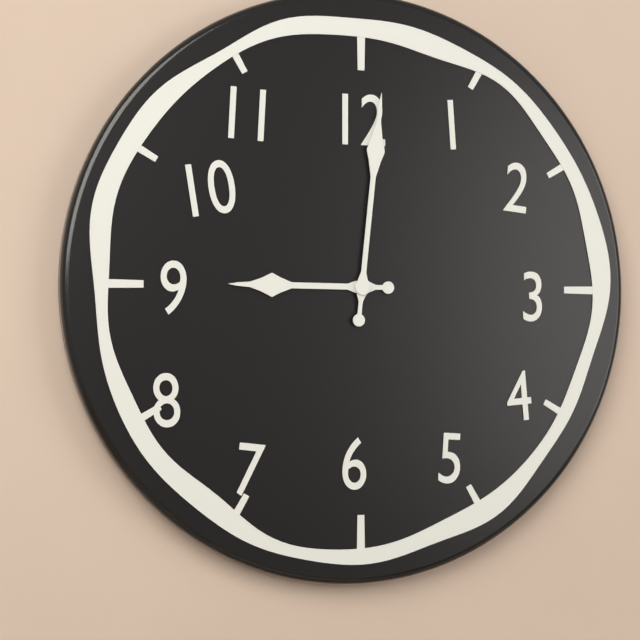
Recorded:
**9:01**
